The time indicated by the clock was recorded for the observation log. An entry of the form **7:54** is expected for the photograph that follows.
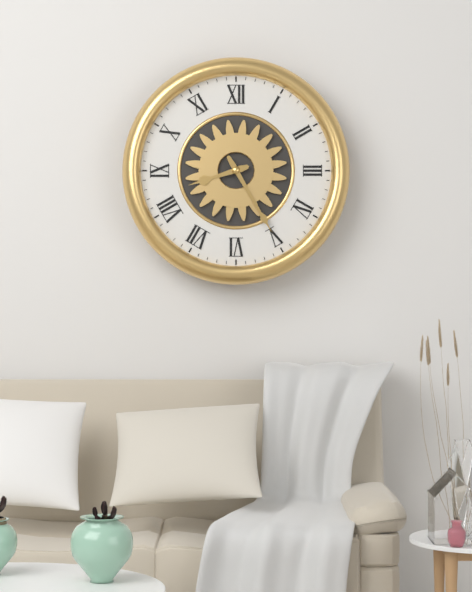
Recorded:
**8:25**
